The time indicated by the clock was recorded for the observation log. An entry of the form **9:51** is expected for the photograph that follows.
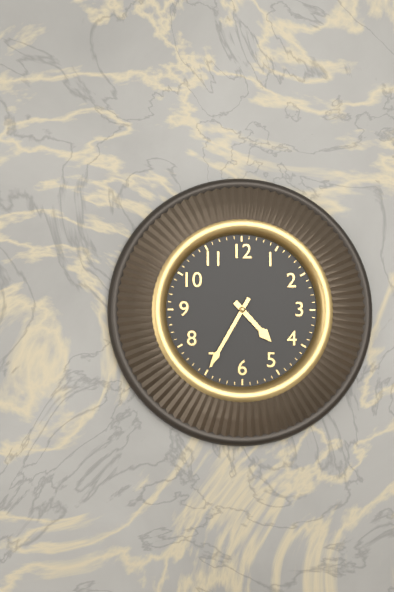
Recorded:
**4:35**
